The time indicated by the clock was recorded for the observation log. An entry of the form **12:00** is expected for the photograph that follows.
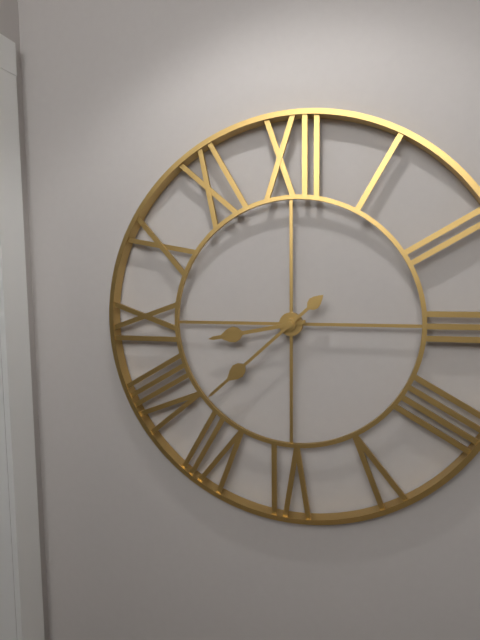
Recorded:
**8:38**
